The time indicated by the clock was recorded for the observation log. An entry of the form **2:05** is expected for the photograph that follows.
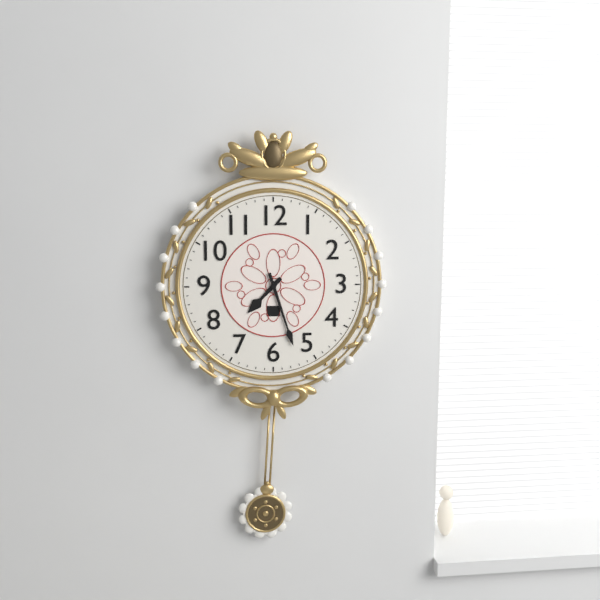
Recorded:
**7:27**
